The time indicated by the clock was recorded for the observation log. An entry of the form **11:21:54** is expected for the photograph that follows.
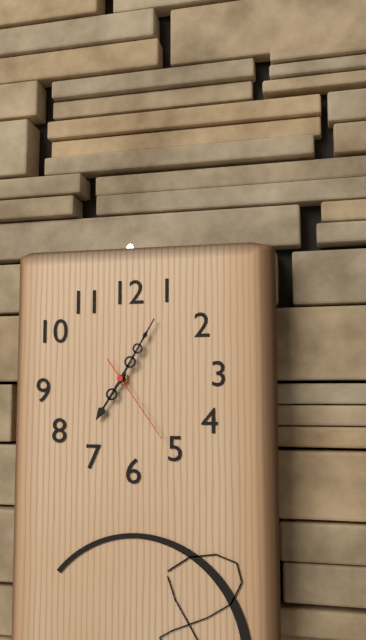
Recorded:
**7:05:24**
